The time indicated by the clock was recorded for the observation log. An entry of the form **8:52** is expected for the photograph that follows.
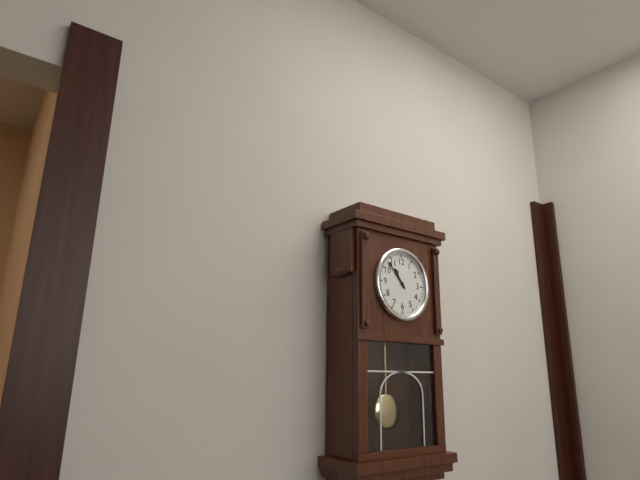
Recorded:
**10:53**
